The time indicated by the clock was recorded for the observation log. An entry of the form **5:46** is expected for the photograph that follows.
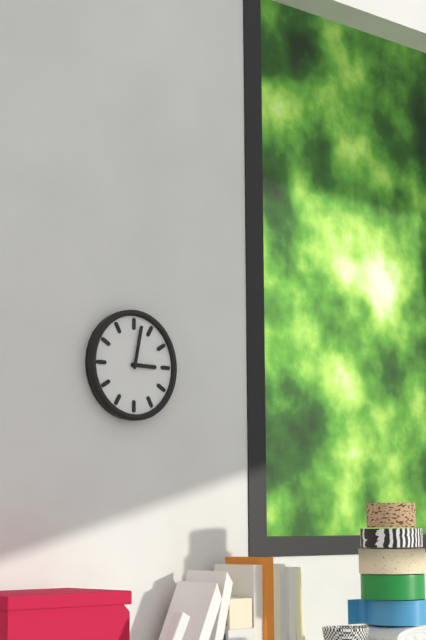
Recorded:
**3:02**
